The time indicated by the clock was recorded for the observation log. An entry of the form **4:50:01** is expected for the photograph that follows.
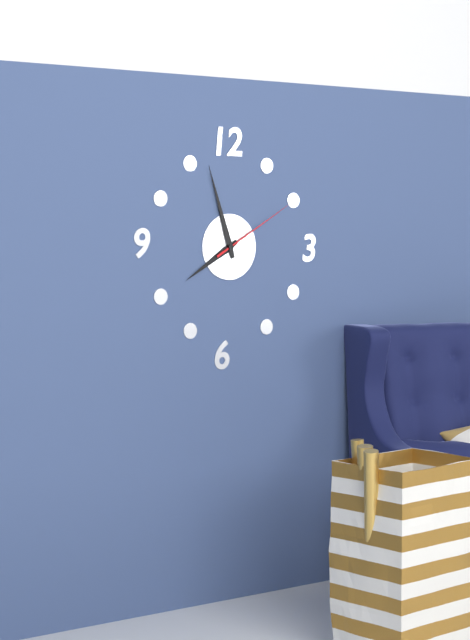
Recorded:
**7:57:10**
